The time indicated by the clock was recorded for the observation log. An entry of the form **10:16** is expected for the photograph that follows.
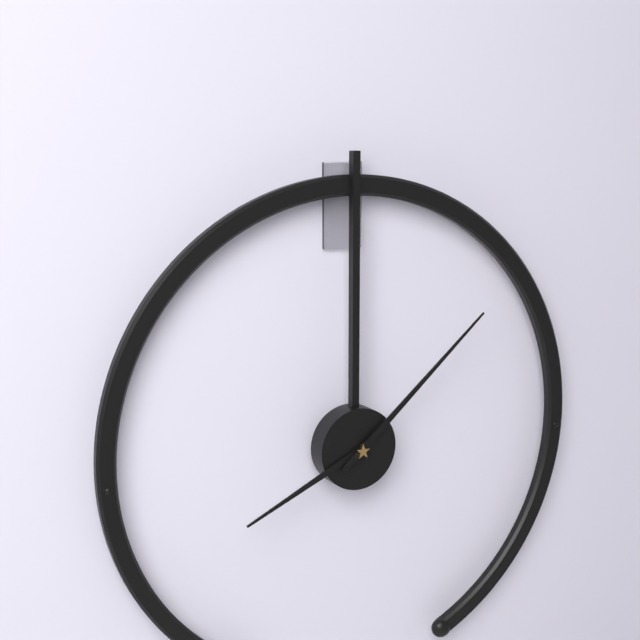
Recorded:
**8:08**
